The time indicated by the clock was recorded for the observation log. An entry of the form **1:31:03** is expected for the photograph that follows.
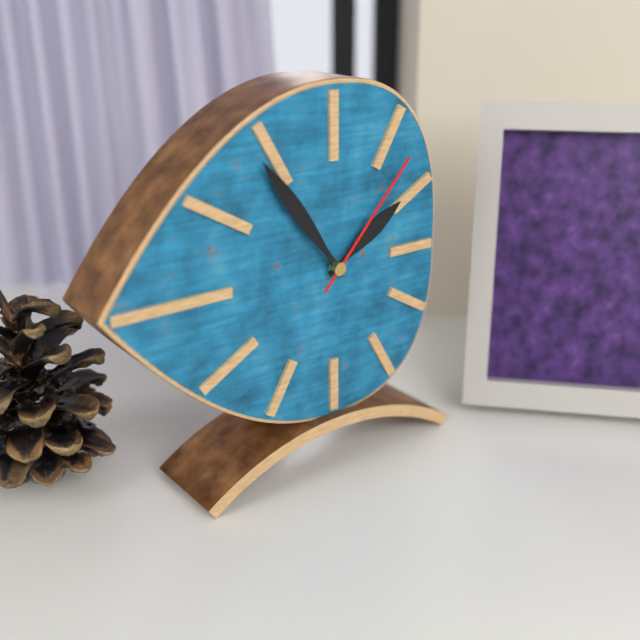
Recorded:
**1:54:07**
